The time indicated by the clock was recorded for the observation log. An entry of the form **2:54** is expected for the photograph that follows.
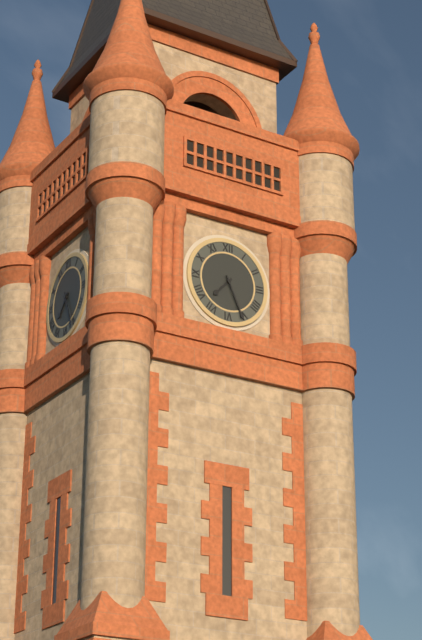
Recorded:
**7:26**
